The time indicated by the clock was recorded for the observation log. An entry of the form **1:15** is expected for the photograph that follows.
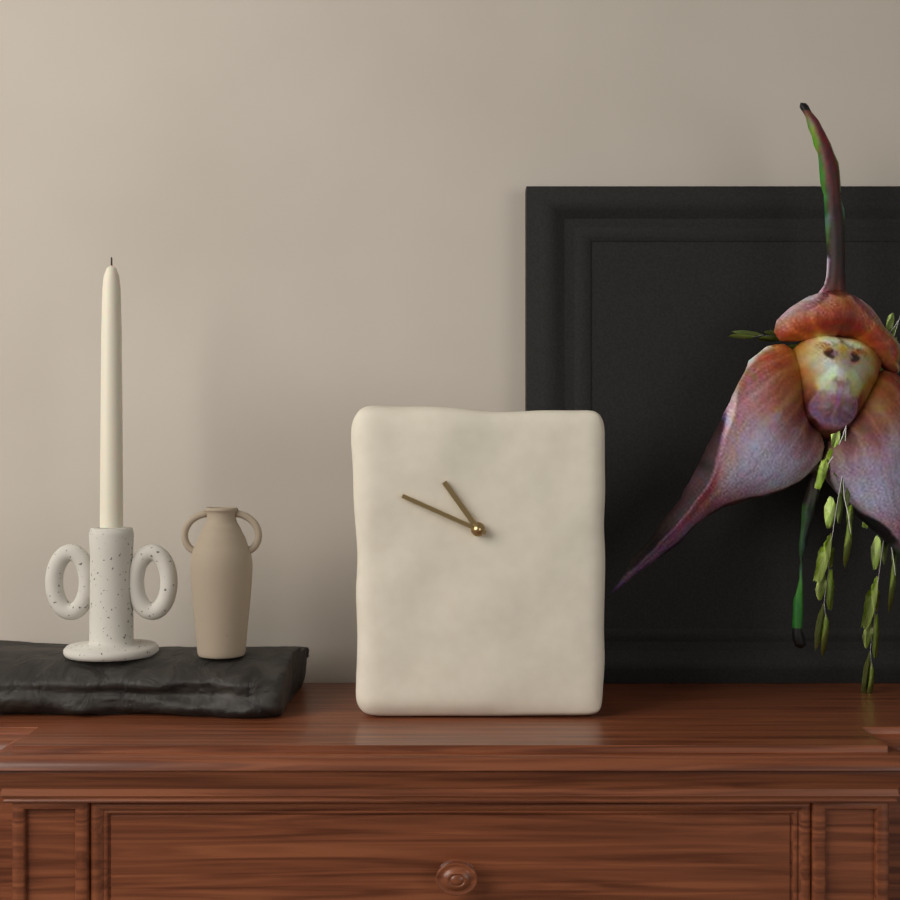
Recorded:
**10:49**
